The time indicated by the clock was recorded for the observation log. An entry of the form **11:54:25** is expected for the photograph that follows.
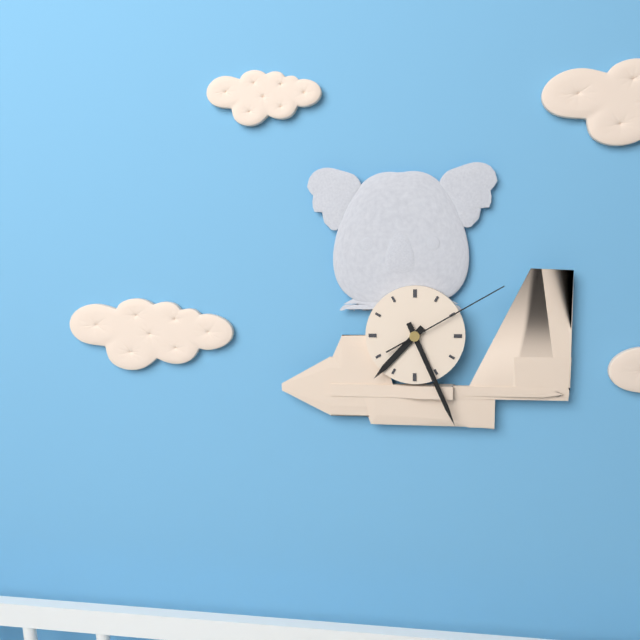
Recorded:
**7:26:10**
